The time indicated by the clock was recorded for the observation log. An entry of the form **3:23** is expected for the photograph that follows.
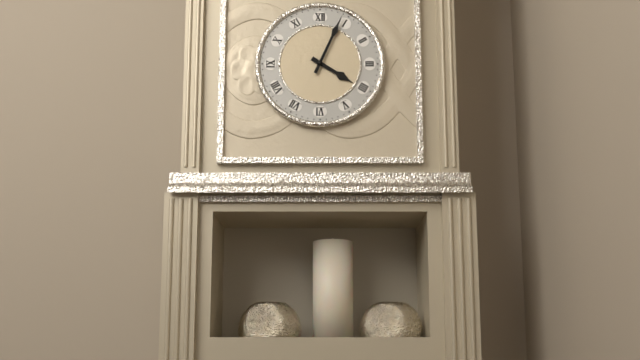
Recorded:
**4:04**
